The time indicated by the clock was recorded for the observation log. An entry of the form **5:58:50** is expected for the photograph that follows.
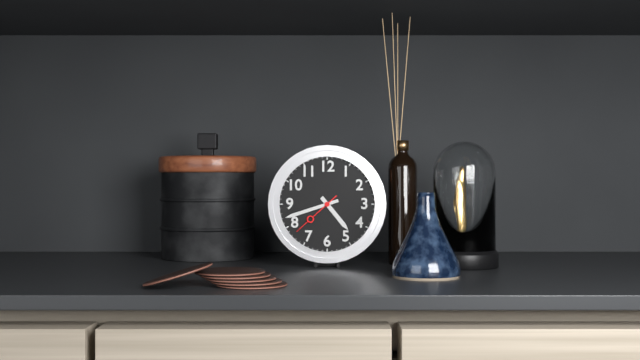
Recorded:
**4:42:38**
